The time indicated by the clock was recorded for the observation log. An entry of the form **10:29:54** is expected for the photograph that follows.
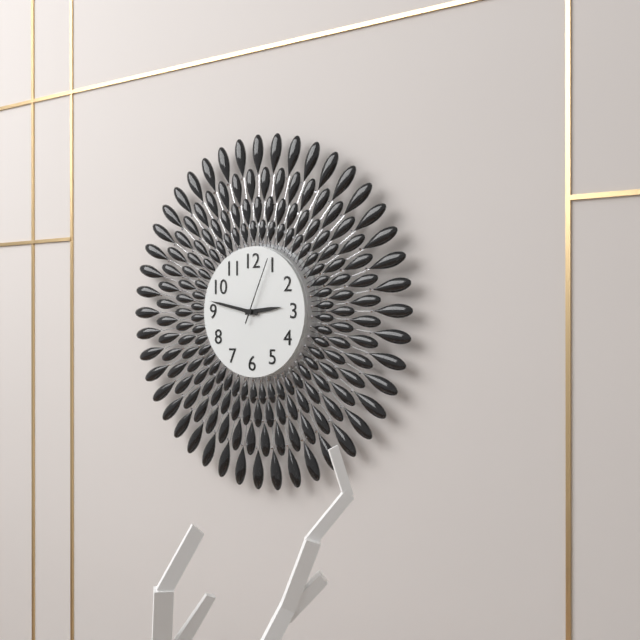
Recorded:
**2:47:04**
